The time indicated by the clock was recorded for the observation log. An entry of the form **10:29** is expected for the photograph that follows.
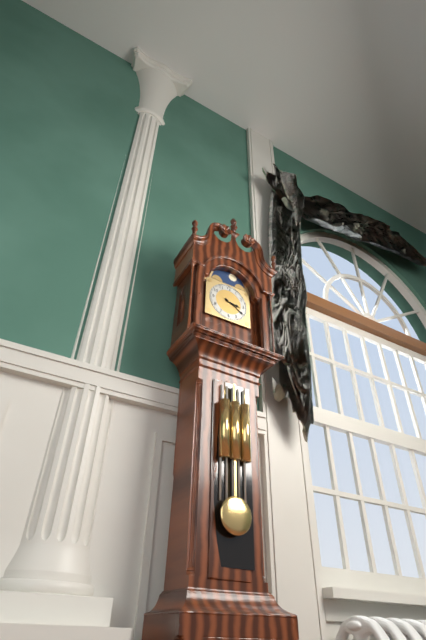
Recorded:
**3:20**
